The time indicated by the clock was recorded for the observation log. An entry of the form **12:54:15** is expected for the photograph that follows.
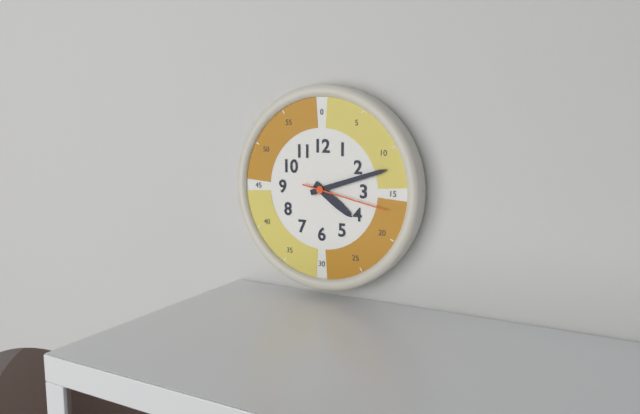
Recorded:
**4:12:17**
